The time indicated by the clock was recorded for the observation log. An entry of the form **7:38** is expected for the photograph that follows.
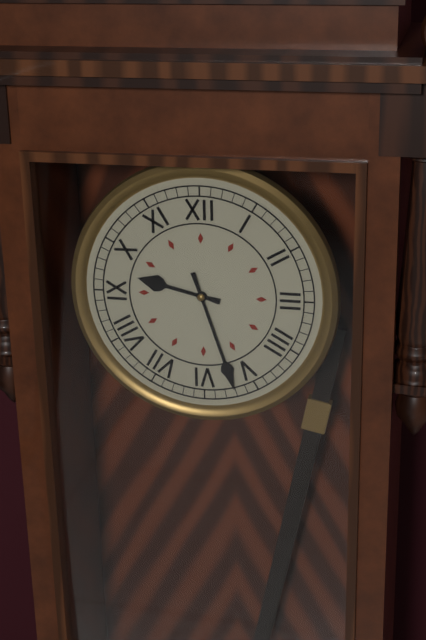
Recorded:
**9:27**
